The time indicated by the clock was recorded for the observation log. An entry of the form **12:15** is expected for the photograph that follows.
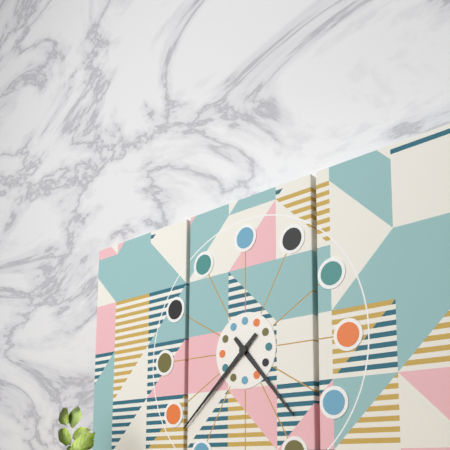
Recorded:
**4:38**
